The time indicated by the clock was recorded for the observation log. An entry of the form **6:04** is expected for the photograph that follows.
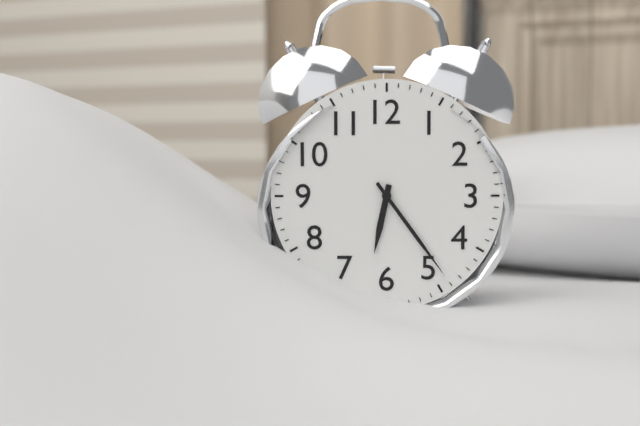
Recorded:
**6:24**
